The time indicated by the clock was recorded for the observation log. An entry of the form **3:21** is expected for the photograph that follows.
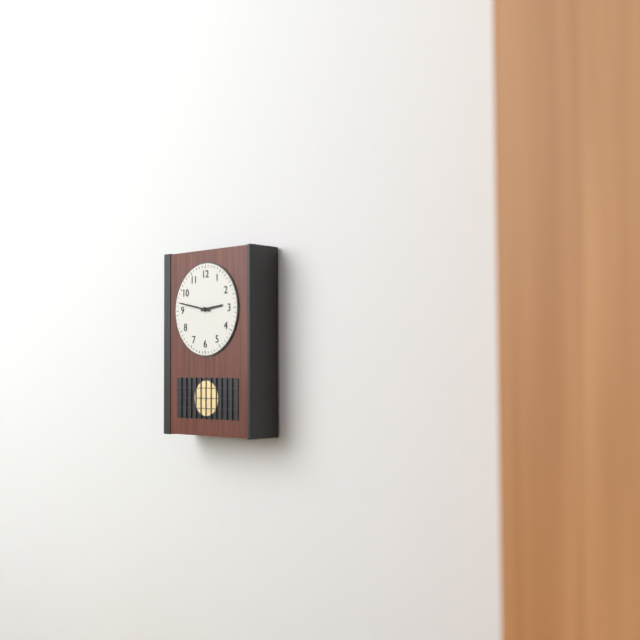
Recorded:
**2:47**
